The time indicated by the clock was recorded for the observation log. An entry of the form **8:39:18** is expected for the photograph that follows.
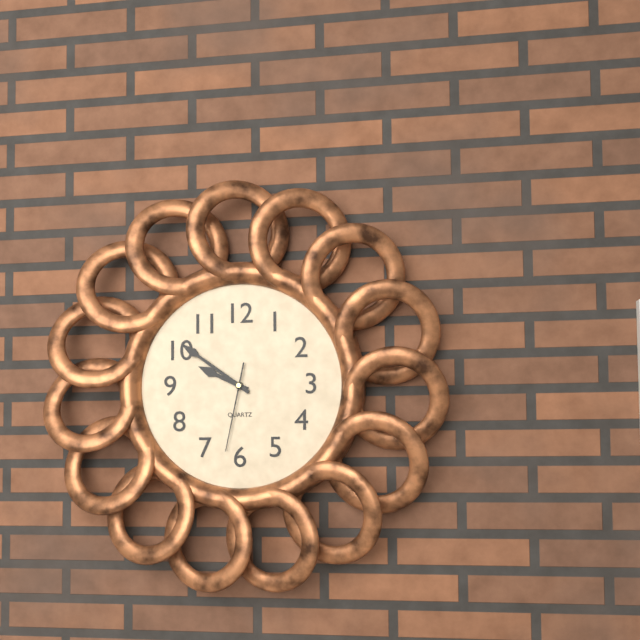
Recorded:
**9:51:32**
